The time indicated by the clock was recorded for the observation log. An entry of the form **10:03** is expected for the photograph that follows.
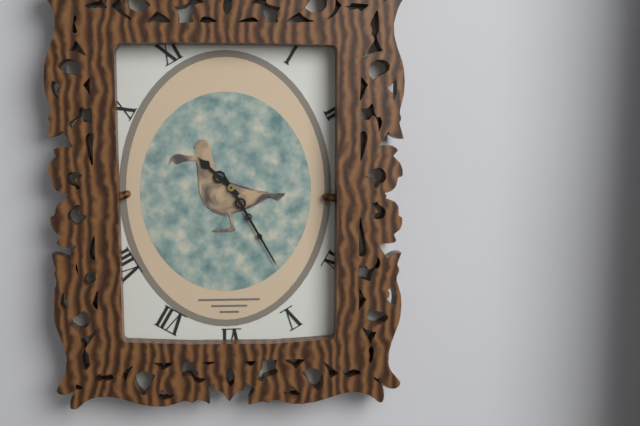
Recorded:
**10:25**
